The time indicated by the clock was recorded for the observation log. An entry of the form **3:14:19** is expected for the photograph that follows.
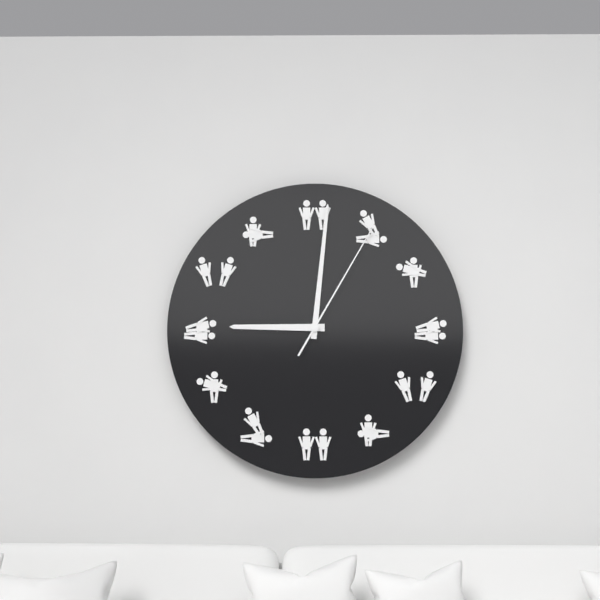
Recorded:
**9:01:05**
